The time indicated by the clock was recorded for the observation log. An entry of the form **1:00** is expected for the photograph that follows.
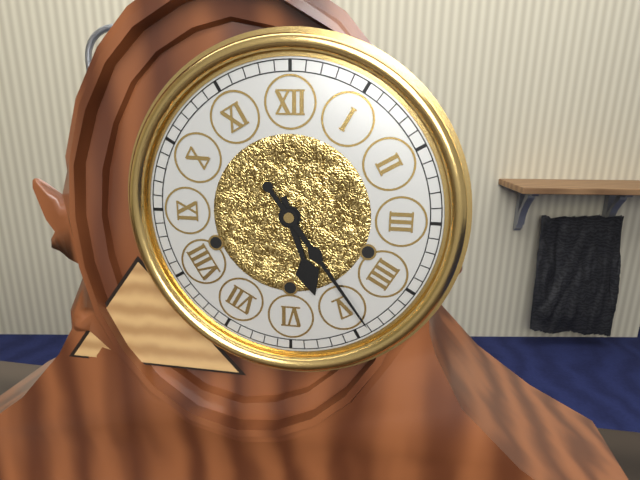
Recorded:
**5:24**
